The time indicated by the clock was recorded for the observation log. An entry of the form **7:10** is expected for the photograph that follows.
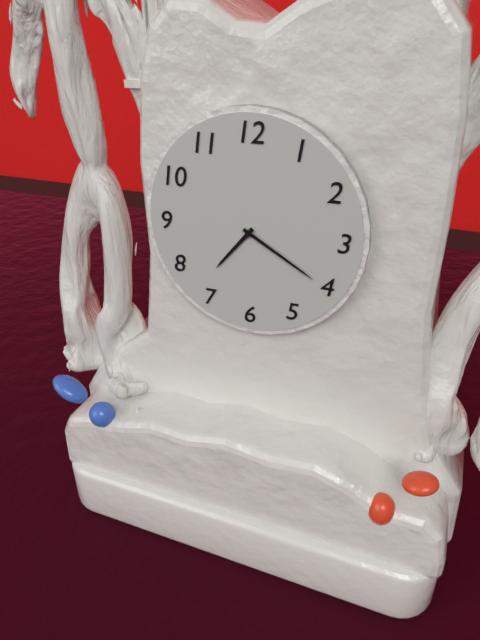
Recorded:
**7:20**
